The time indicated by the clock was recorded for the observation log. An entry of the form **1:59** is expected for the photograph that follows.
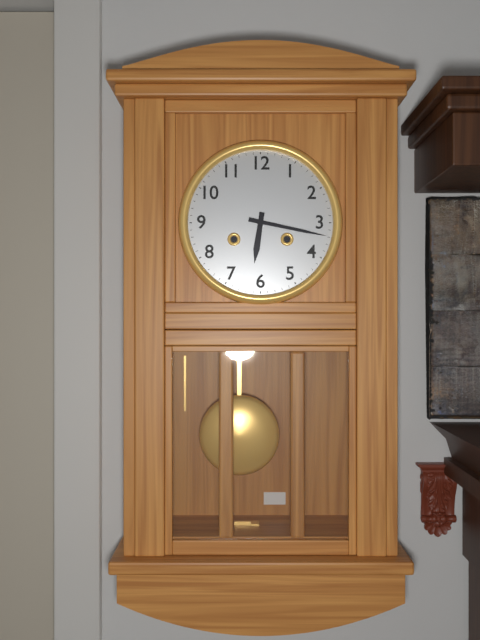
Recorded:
**6:17**
